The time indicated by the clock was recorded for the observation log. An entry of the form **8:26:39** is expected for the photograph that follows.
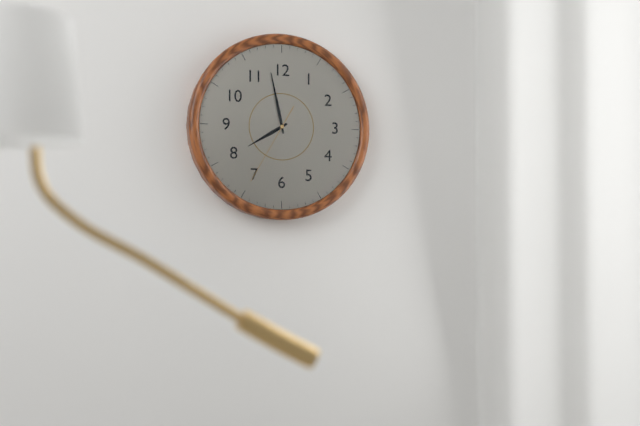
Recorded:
**7:58:35**
